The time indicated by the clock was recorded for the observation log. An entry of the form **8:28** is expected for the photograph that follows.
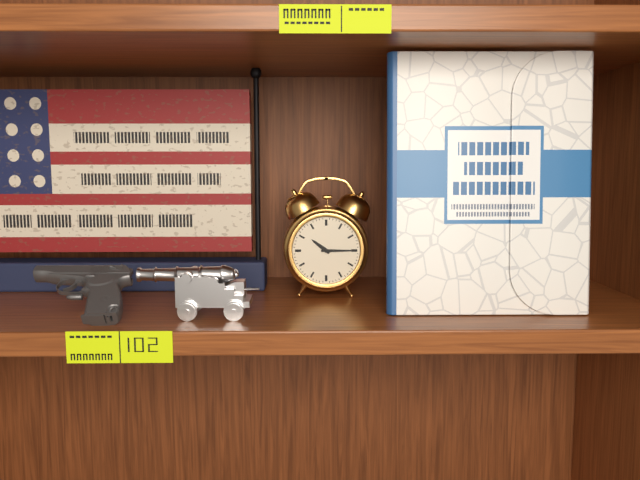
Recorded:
**10:15**
